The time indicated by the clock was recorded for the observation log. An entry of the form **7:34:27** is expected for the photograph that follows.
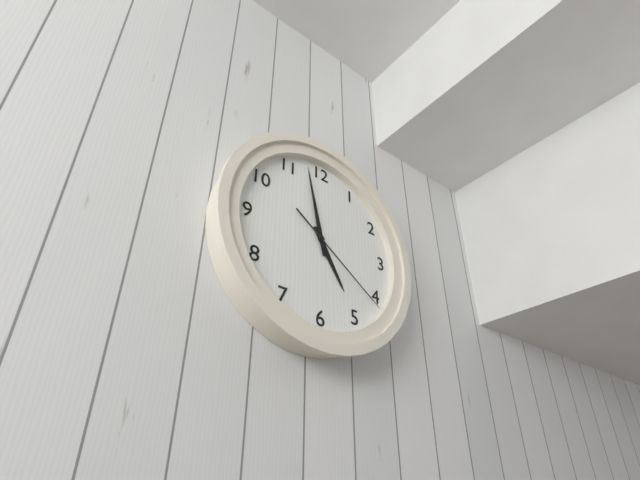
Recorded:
**4:58:21**
